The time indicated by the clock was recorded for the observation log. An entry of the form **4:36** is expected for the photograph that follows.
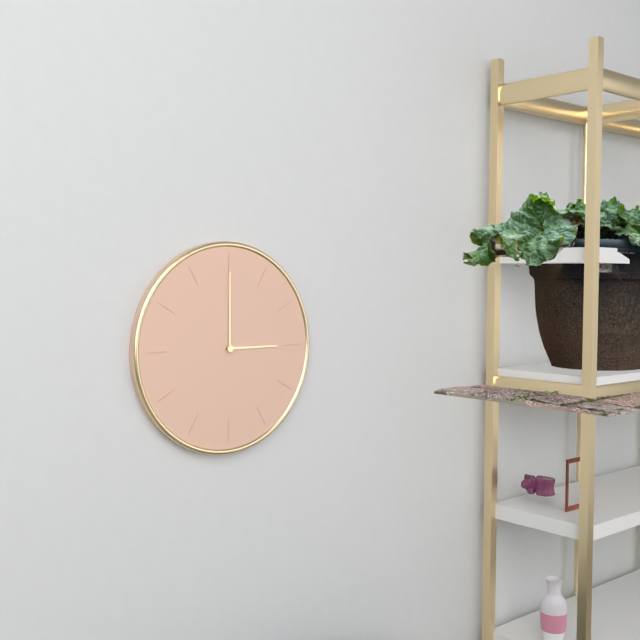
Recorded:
**3:00**
